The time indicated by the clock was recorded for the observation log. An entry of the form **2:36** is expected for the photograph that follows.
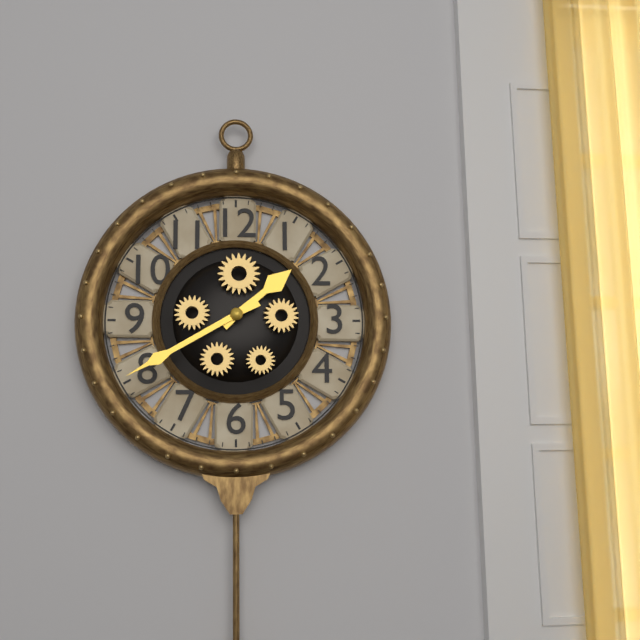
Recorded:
**1:40**
